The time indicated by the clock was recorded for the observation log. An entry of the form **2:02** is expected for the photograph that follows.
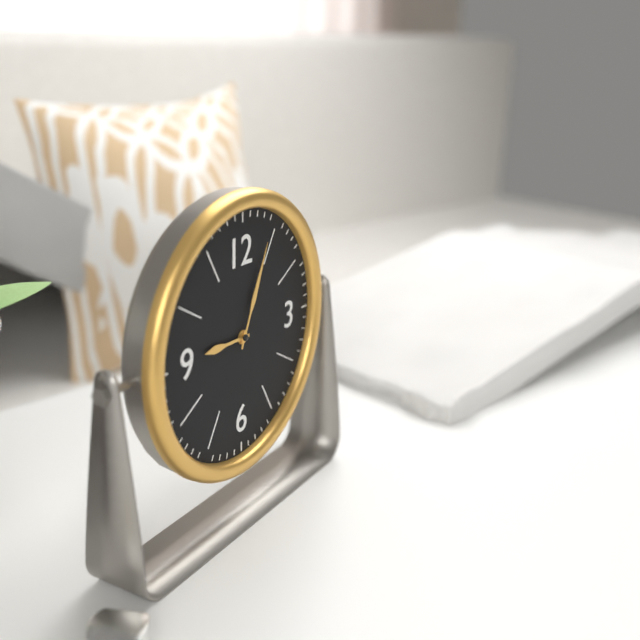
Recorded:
**9:04**
